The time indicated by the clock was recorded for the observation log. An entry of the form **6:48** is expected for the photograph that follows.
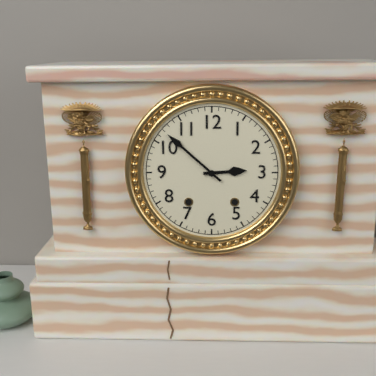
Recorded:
**2:52**
